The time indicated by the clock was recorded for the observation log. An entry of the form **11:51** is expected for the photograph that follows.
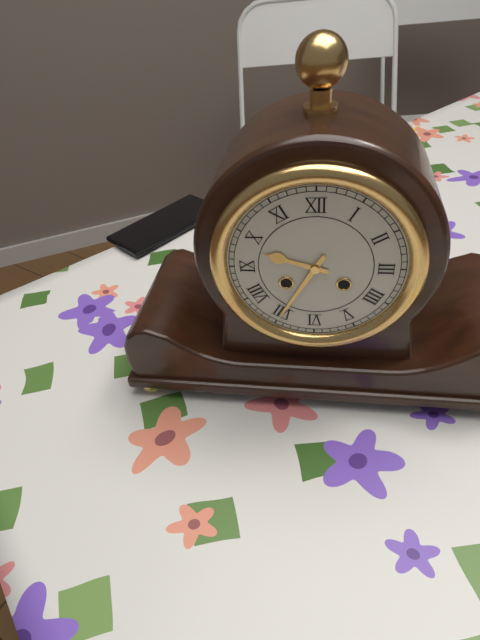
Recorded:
**9:35**
